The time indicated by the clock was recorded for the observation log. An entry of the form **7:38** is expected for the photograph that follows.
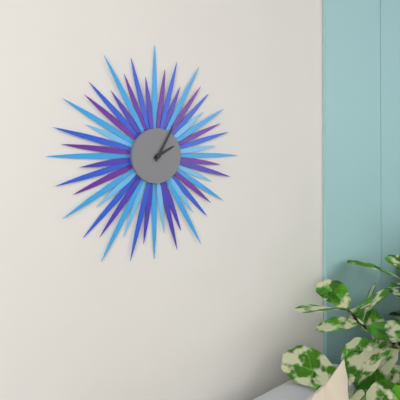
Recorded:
**2:05**
